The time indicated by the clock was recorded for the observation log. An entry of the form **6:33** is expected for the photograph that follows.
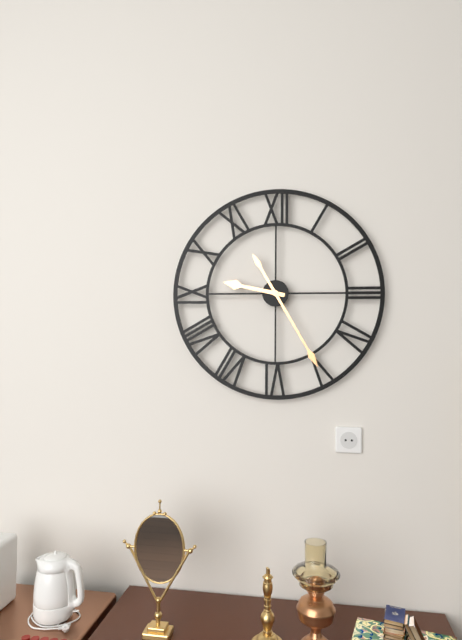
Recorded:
**9:25**
